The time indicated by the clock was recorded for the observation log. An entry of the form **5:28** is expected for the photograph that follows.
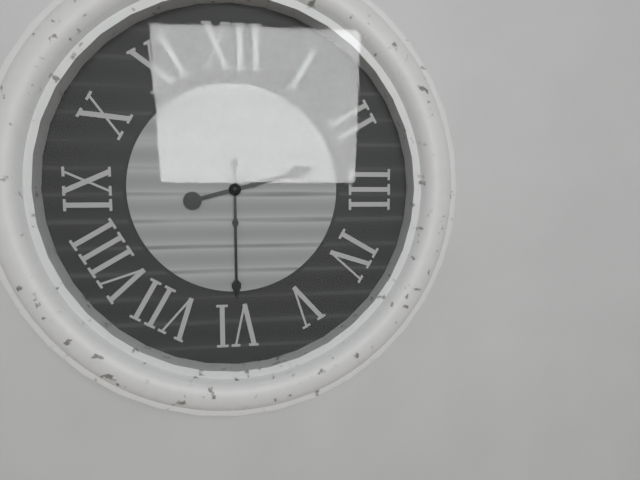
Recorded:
**2:30**
